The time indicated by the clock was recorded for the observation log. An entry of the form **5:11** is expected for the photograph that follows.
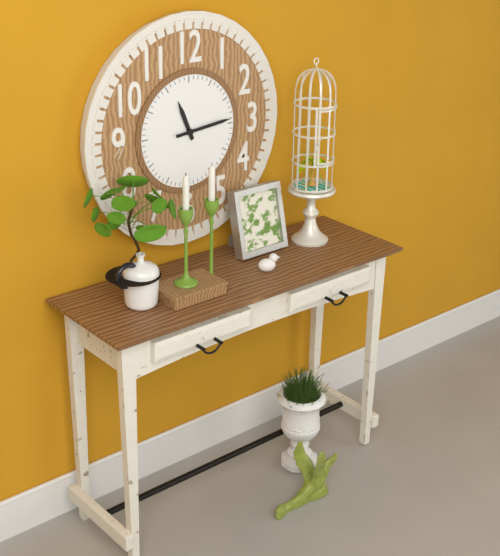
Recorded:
**11:14**
